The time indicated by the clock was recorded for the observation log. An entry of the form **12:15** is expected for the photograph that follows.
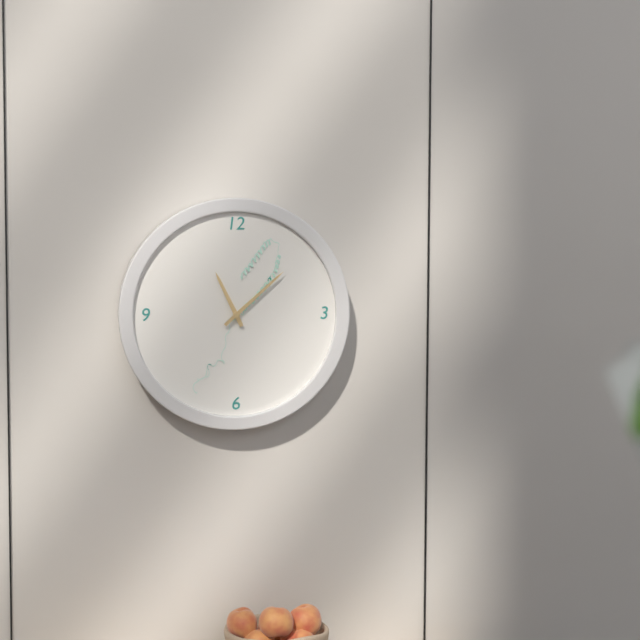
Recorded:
**11:08**
